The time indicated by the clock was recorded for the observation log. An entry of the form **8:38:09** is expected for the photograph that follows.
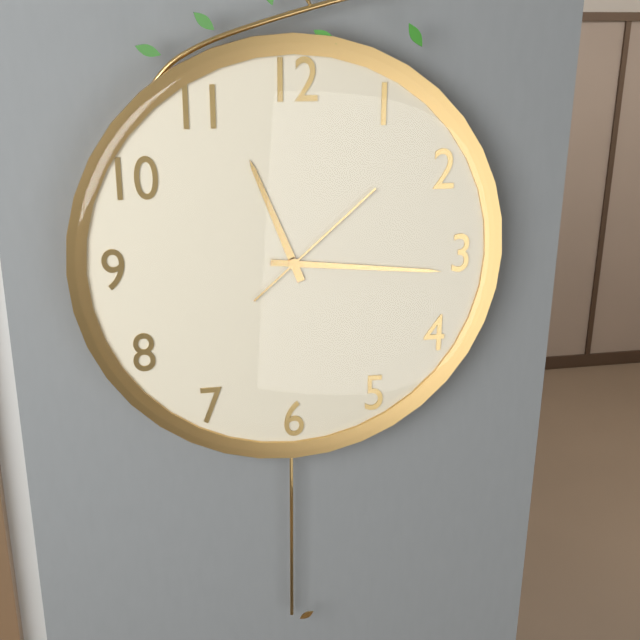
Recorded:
**11:16:08**
